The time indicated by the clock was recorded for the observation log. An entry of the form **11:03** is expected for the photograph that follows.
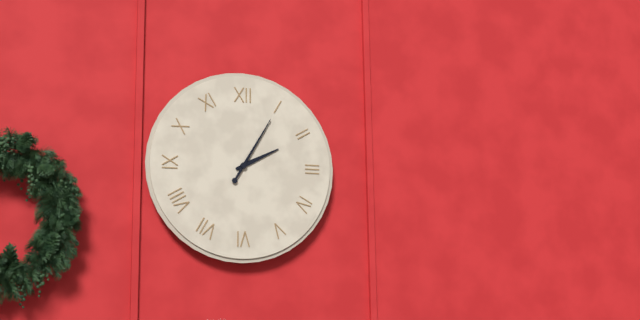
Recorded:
**2:05**
